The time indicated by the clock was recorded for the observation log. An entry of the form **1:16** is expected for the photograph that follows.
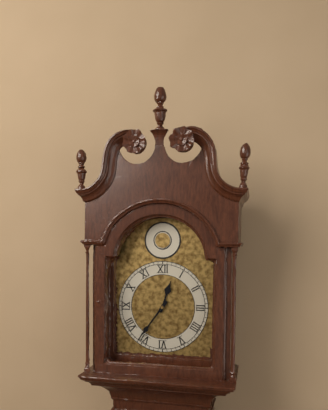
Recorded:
**12:36**
